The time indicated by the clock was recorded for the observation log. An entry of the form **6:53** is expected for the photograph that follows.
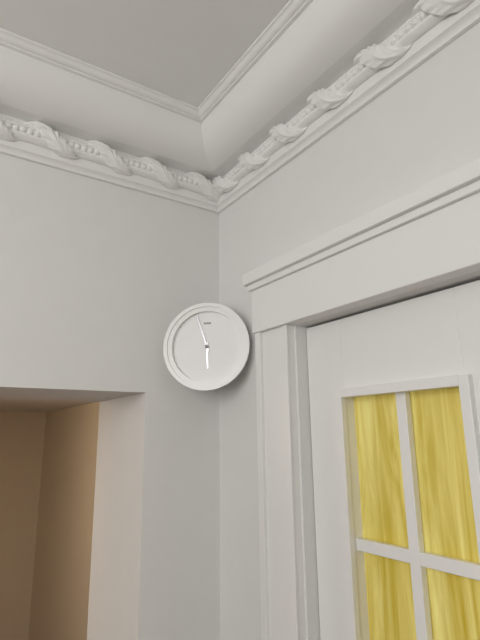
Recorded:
**5:57**
